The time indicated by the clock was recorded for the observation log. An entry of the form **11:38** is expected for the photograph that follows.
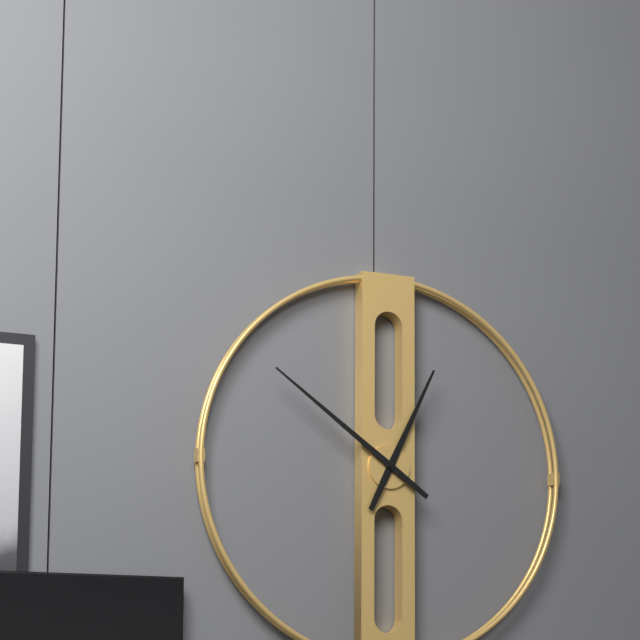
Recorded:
**12:51**
